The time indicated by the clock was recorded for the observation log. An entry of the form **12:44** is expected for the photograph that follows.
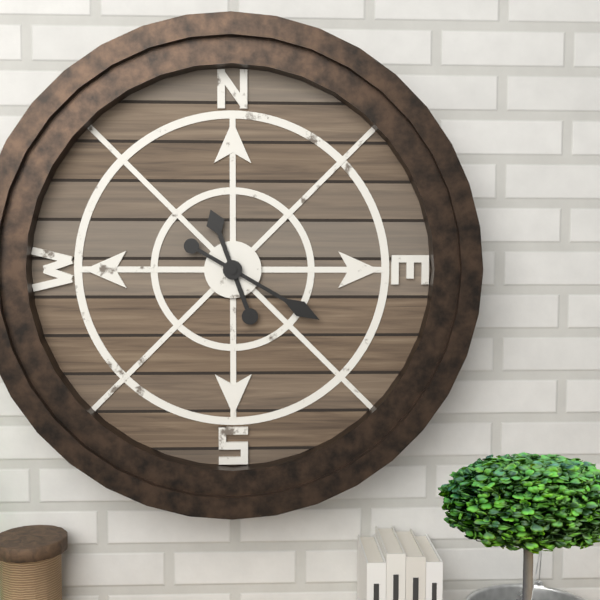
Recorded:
**11:20**
